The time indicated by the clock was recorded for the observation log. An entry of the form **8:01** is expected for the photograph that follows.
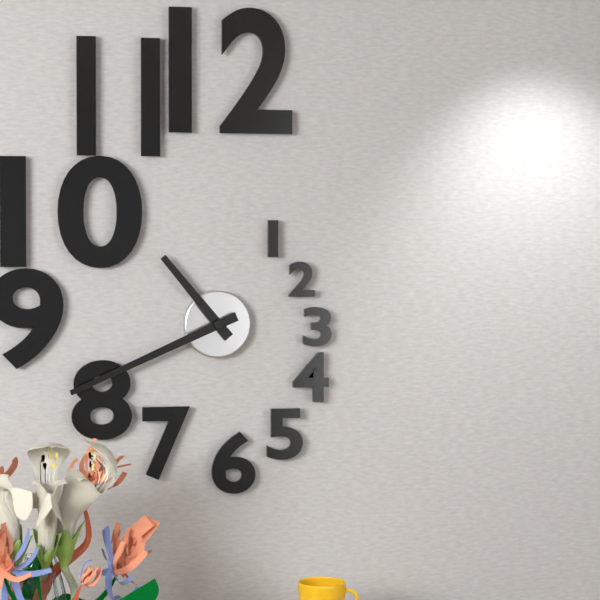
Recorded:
**10:41**
